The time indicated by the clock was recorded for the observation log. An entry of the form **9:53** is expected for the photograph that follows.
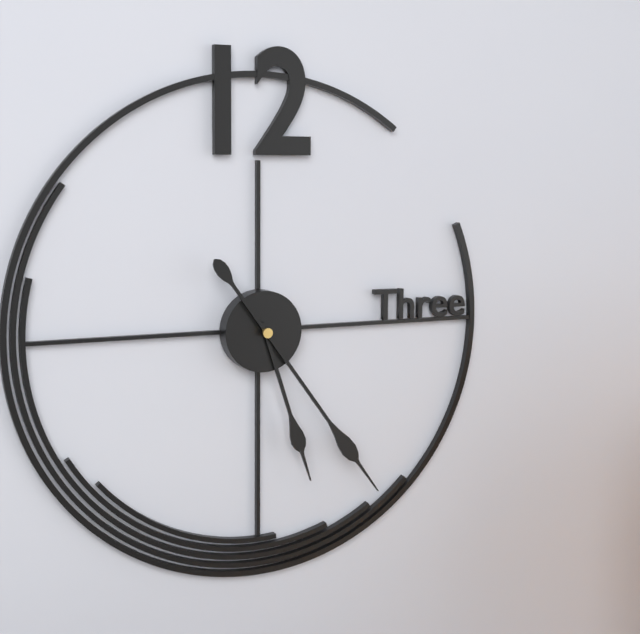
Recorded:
**5:24**
